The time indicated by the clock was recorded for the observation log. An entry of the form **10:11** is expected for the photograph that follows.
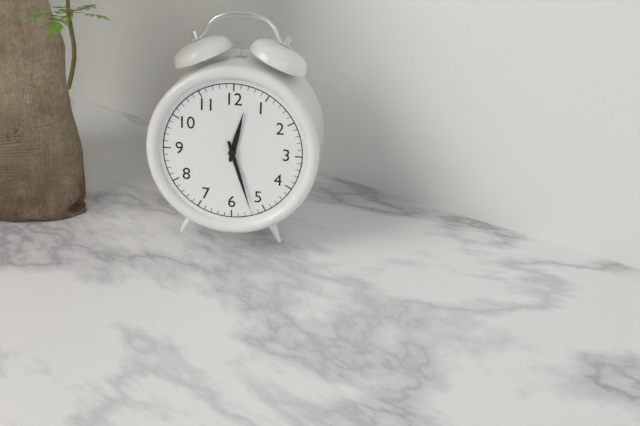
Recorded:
**12:27**
